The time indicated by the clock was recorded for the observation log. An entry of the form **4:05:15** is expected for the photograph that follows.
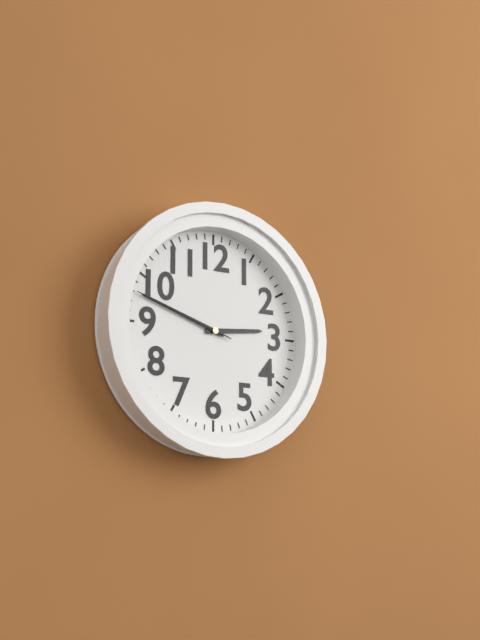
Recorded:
**2:48:48**
